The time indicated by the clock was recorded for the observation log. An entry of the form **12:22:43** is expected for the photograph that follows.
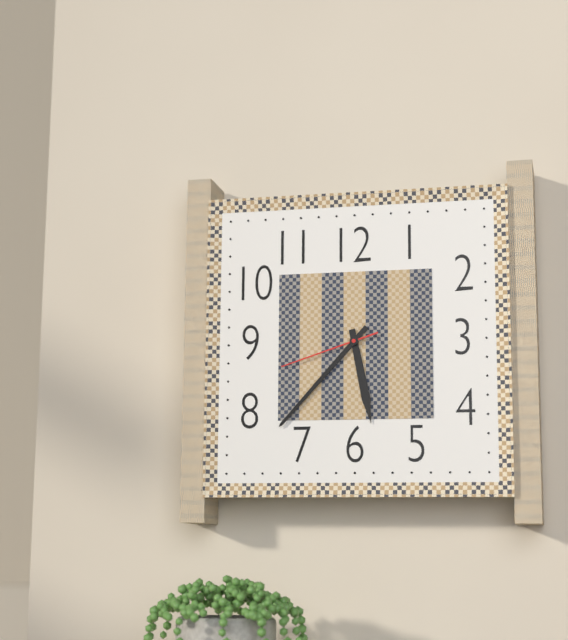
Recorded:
**5:37:42**
